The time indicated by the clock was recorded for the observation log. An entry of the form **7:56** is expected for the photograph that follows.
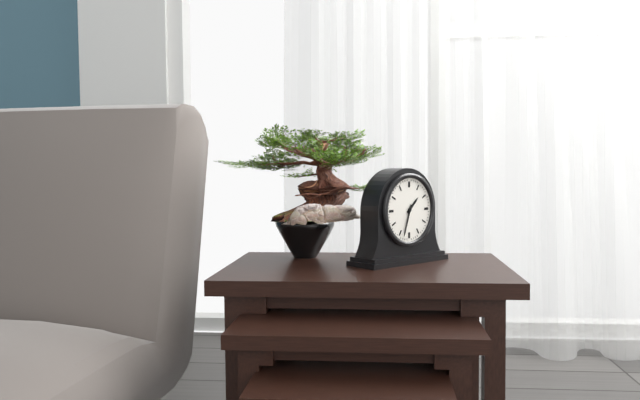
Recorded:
**1:33**
